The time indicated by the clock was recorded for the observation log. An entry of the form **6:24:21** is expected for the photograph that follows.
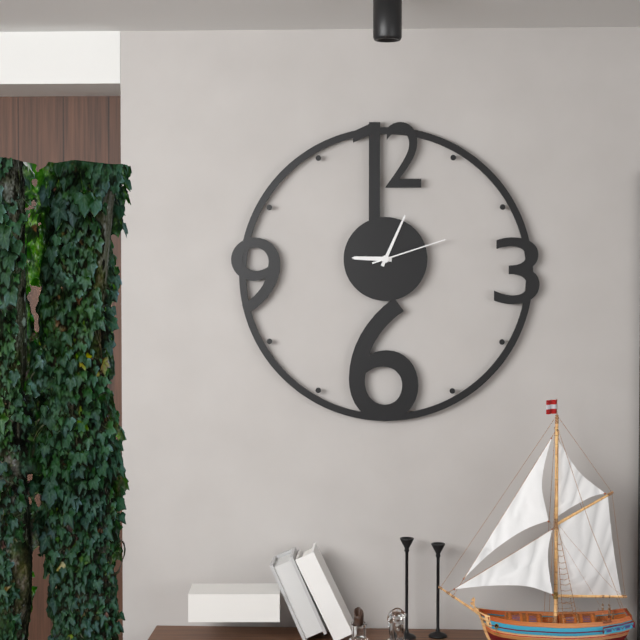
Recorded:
**9:04:12**
